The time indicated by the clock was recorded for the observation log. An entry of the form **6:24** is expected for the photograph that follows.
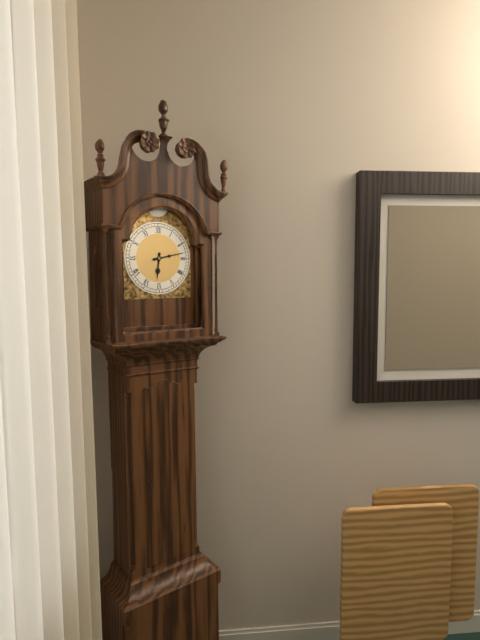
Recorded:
**6:13**
